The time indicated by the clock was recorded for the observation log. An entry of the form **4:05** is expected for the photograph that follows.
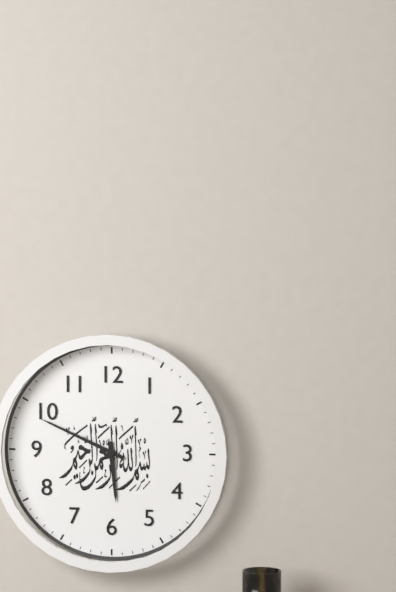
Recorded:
**5:49**
